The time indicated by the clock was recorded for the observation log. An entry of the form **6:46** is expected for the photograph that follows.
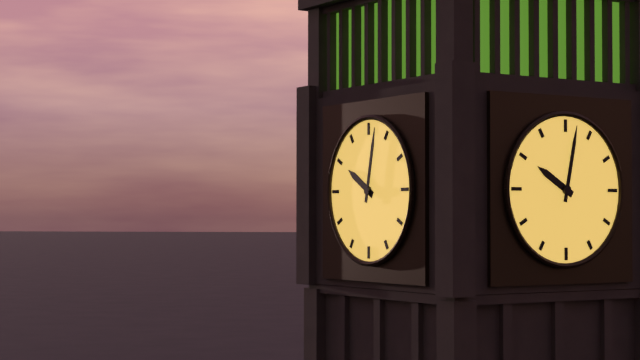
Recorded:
**10:02**
